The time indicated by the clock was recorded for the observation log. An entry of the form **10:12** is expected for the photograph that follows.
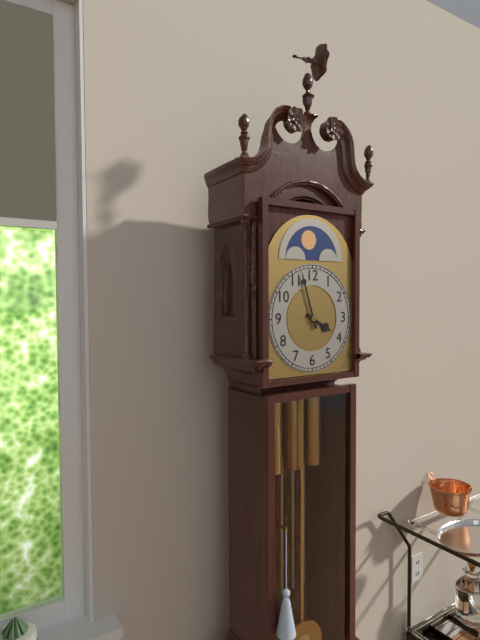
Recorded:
**3:57**
